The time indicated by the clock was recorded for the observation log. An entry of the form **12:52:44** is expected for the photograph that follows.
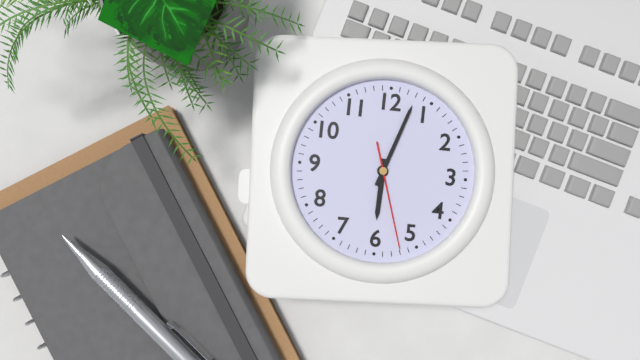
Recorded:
**6:03:27**
